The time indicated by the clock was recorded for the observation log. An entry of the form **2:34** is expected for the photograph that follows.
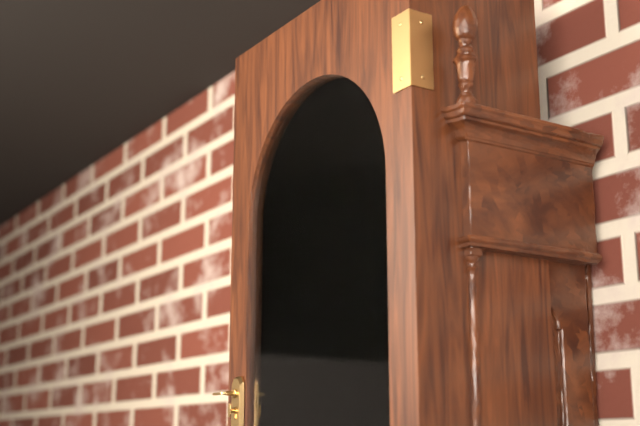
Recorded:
**5:49**
